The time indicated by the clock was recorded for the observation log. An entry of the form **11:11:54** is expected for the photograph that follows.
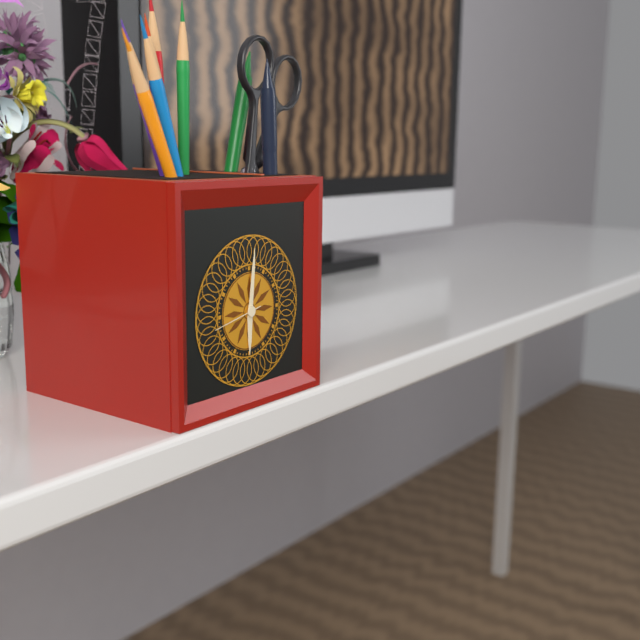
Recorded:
**6:01:43**
